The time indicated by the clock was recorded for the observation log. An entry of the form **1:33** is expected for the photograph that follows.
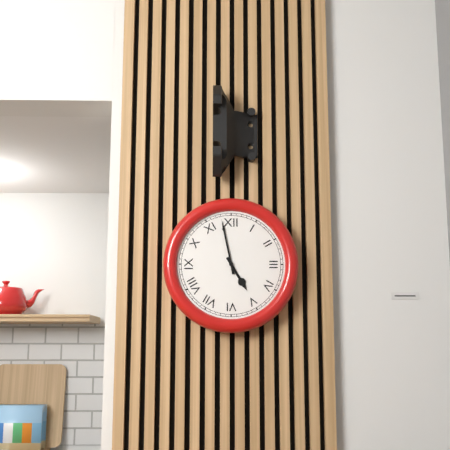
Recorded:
**4:58**
